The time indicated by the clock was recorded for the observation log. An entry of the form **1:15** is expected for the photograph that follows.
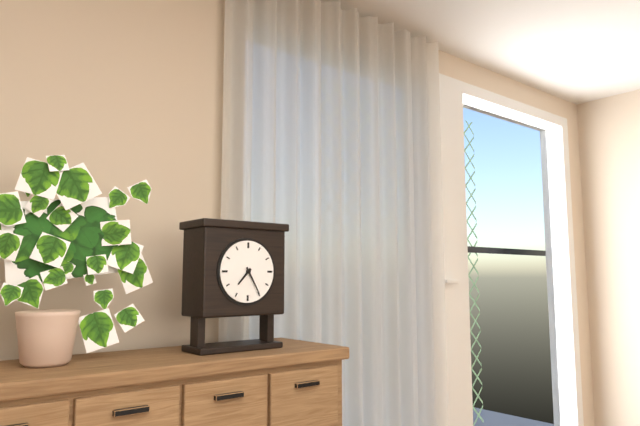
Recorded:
**7:25**
